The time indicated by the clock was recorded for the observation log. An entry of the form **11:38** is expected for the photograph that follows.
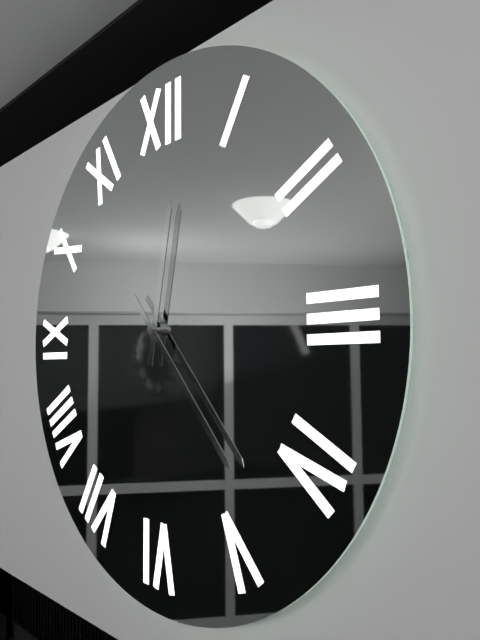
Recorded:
**12:23**
